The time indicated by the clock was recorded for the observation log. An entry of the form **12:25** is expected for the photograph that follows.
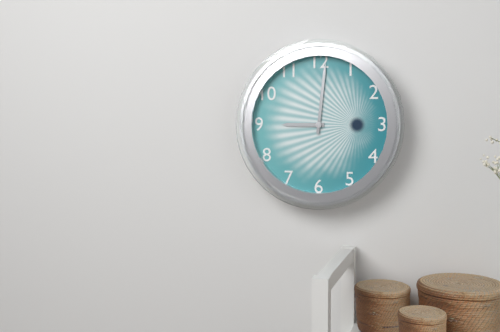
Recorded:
**9:01**
